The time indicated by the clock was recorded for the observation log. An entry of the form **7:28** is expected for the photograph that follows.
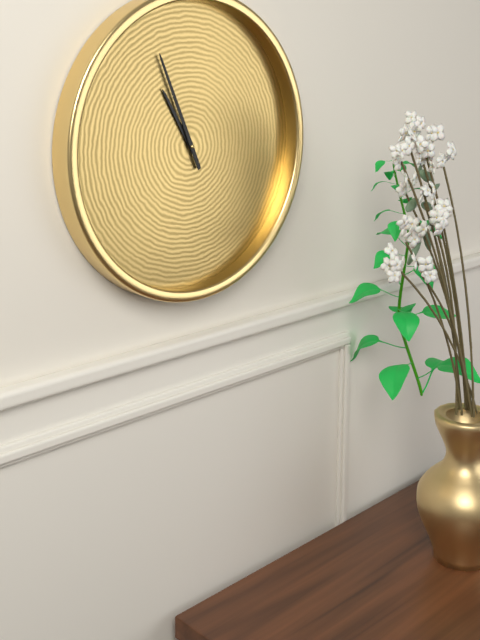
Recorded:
**10:56**
